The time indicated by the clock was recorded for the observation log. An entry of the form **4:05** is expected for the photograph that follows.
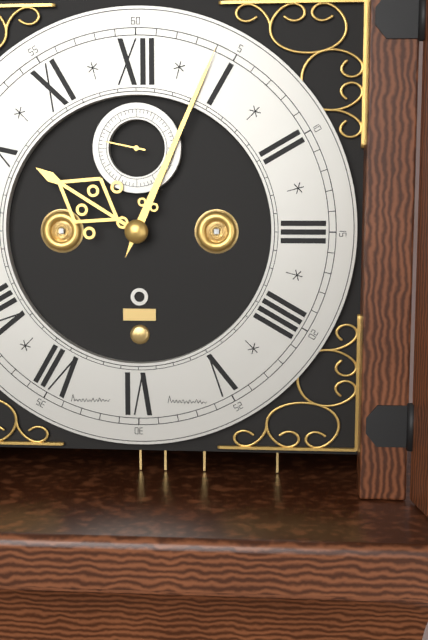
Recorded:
**10:04**
